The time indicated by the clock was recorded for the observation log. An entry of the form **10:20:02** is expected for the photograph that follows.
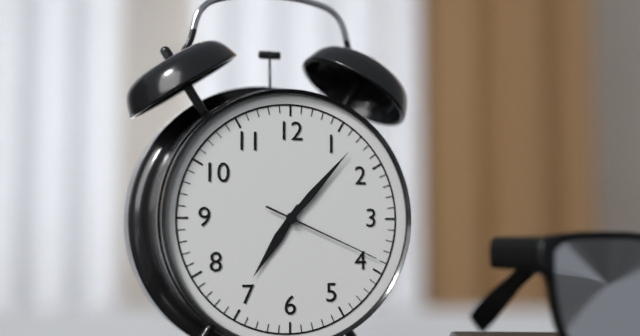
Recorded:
**7:07:19**
